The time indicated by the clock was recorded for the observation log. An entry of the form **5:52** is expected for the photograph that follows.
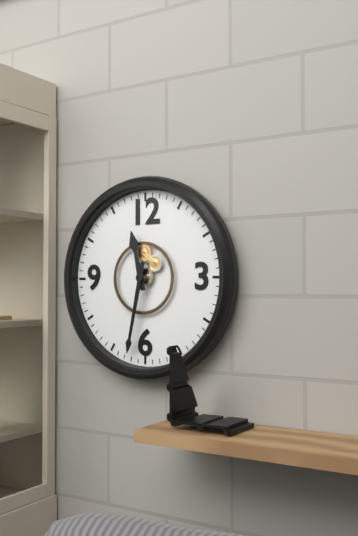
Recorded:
**11:32**
